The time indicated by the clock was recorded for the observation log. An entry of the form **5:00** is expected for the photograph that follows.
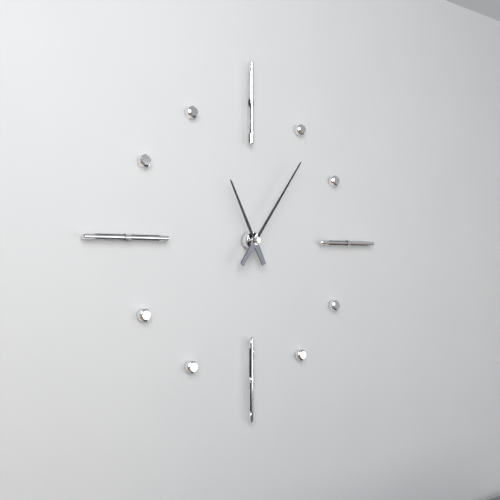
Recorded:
**11:06**
